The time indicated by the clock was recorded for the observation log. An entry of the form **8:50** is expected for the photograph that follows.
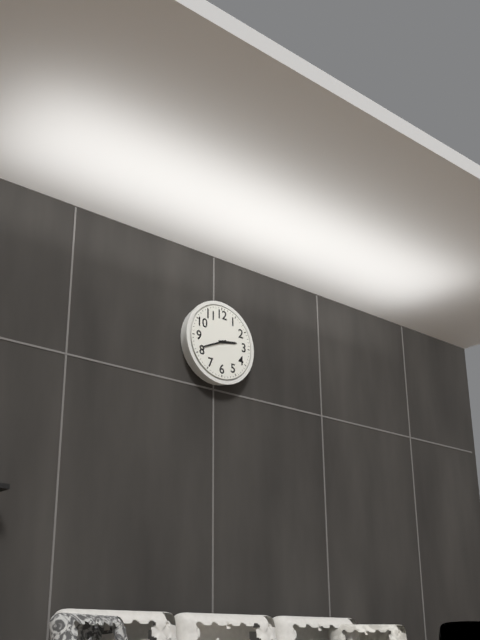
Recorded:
**2:41**
